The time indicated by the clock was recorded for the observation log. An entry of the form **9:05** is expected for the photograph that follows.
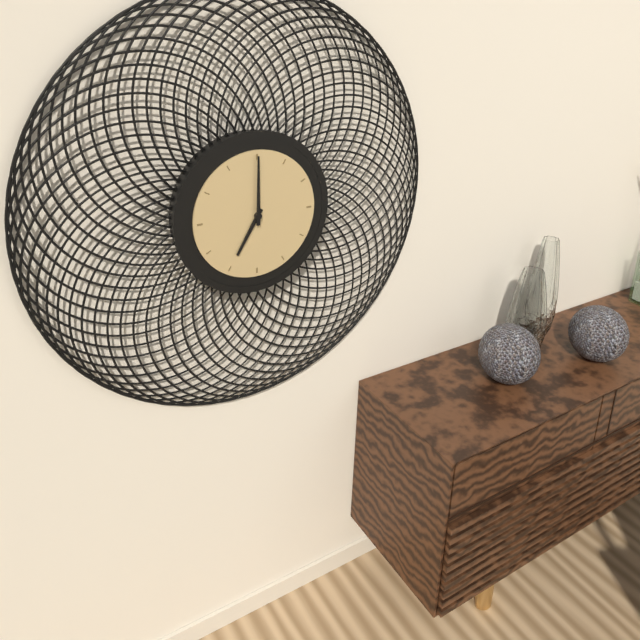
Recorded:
**7:00**
